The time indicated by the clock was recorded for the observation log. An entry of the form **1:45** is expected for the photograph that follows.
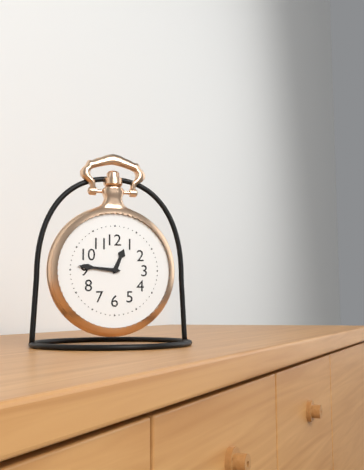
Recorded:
**12:46**
